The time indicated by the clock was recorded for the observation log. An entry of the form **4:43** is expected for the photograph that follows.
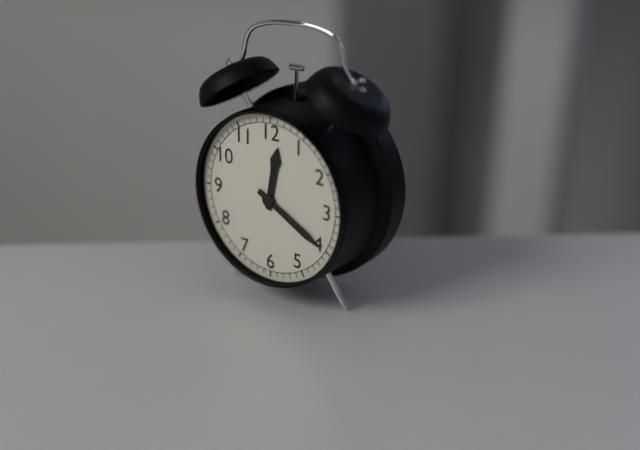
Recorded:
**12:20**
